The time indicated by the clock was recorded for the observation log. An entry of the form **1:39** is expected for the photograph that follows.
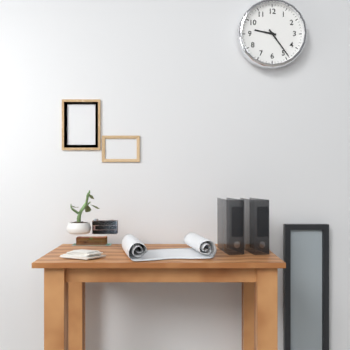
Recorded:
**9:24**
